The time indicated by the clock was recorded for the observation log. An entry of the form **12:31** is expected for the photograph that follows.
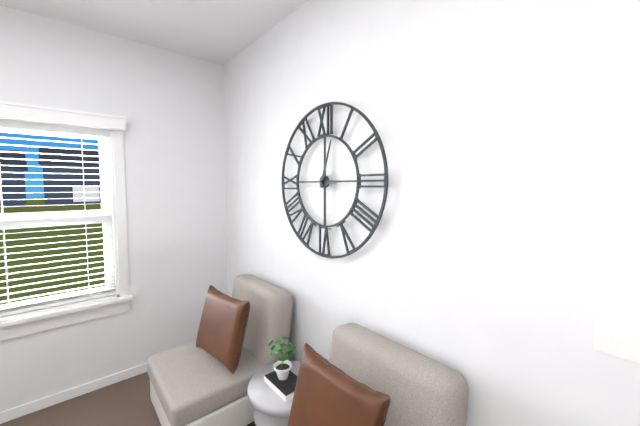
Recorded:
**3:03**
